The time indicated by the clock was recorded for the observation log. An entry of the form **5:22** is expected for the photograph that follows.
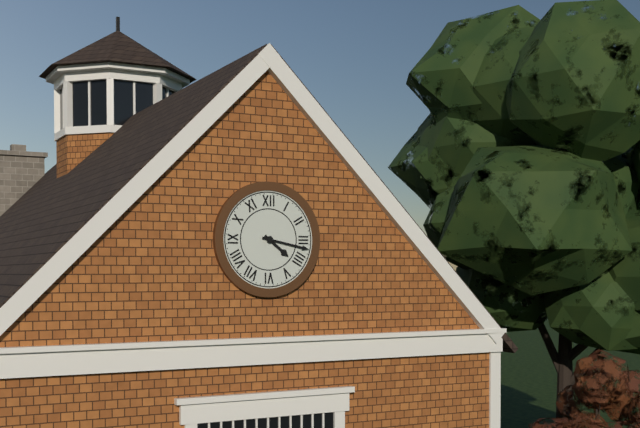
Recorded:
**4:17**
